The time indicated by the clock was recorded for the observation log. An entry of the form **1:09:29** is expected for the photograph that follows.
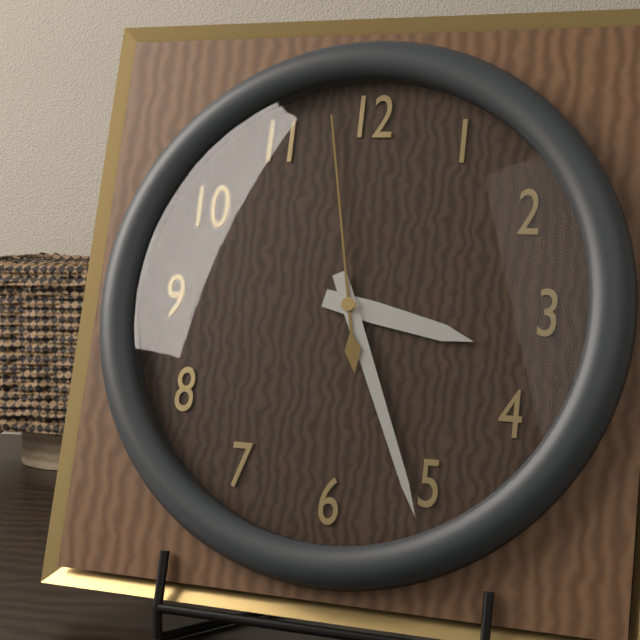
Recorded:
**3:26:58**
